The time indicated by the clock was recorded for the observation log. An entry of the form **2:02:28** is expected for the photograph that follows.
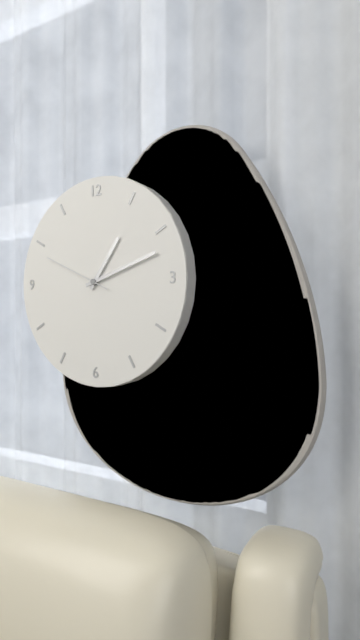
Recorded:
**1:12:49**
